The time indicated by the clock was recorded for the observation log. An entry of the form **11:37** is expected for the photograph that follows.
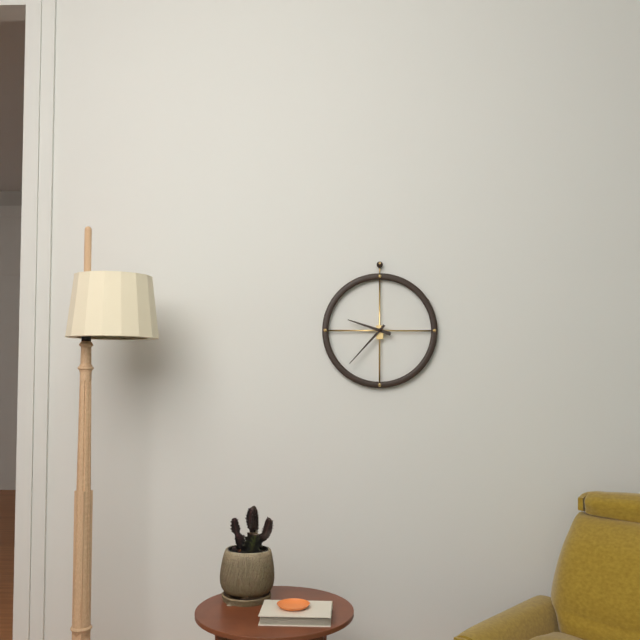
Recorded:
**9:37**
